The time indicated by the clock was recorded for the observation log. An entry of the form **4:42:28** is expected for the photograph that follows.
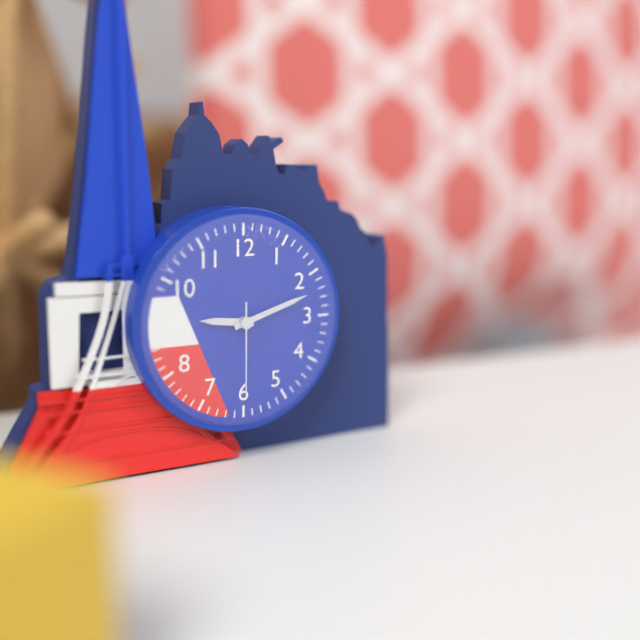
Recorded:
**9:12:30**
